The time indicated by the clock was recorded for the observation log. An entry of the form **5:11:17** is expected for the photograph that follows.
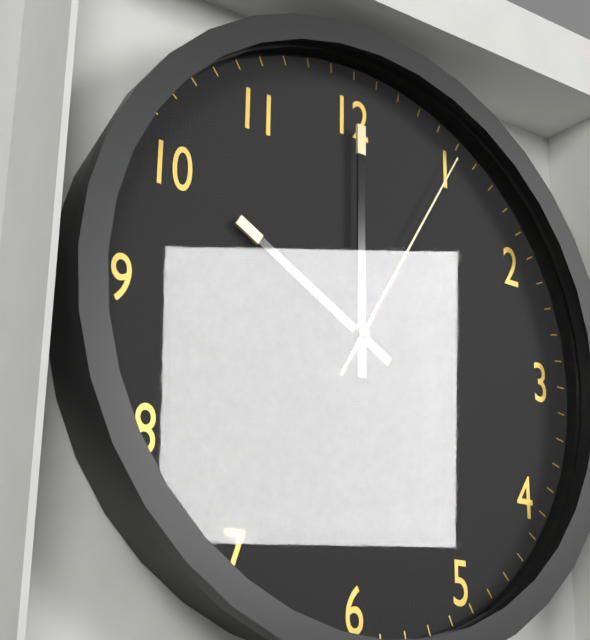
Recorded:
**10:00:05**
